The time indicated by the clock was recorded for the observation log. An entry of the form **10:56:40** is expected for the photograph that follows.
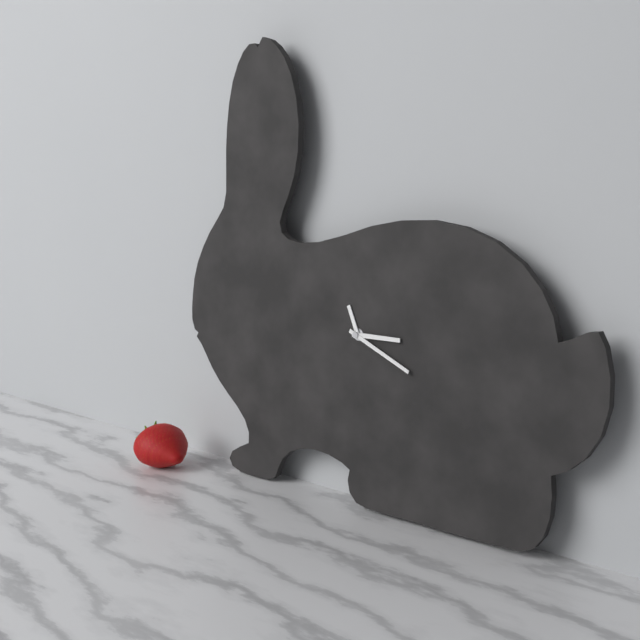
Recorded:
**11:15:19**
